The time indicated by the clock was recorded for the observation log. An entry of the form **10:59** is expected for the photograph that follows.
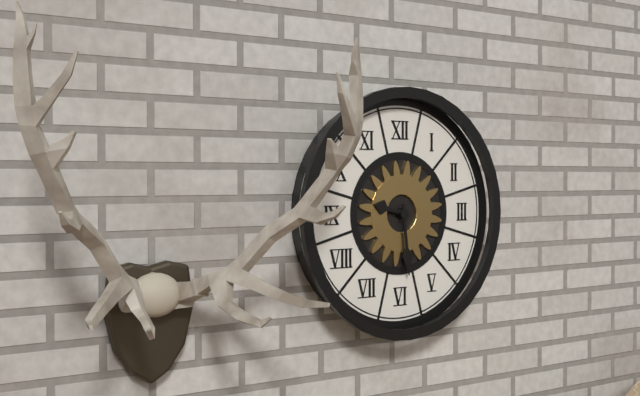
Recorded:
**9:29**
